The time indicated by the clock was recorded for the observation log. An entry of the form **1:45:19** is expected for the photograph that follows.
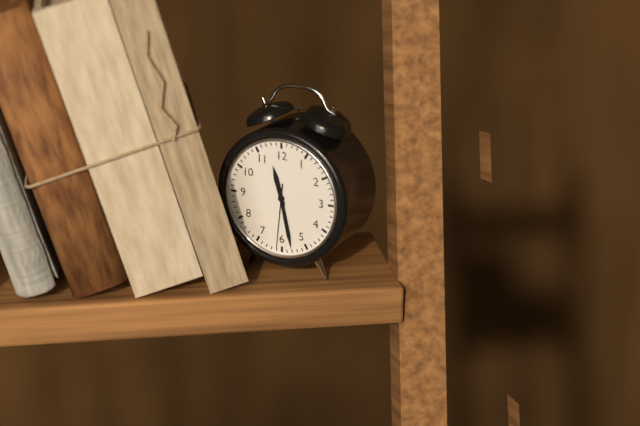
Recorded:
**11:28:31**
